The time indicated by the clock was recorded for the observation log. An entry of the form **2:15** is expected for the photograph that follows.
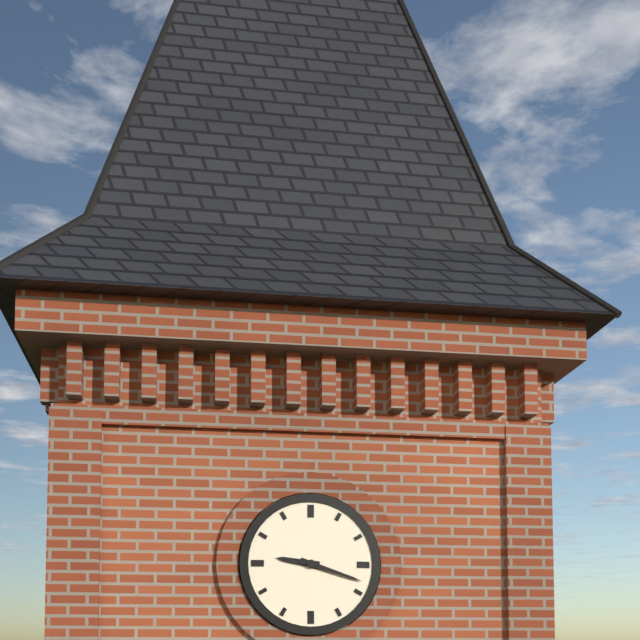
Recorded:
**9:18**
